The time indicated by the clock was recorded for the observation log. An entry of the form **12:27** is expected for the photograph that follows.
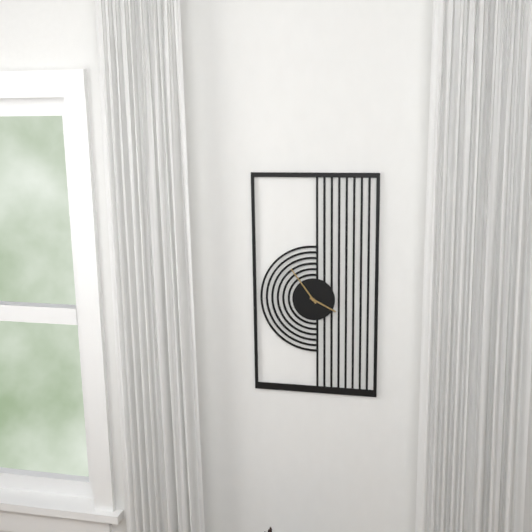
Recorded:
**3:54**
